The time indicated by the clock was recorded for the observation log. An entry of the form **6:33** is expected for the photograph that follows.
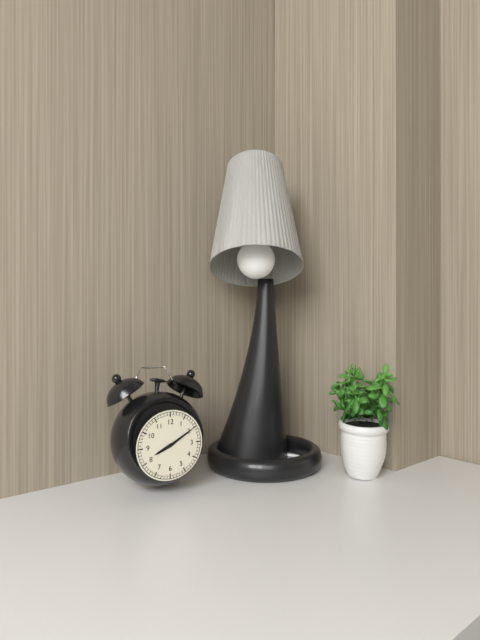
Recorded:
**8:10**
